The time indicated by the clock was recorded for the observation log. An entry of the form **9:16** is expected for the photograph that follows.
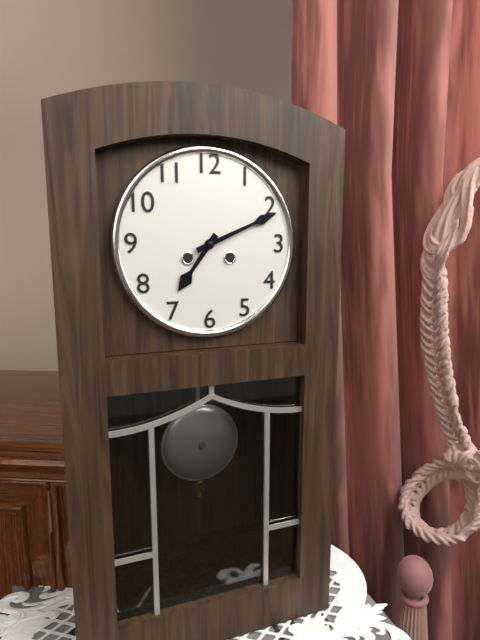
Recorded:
**7:11**
